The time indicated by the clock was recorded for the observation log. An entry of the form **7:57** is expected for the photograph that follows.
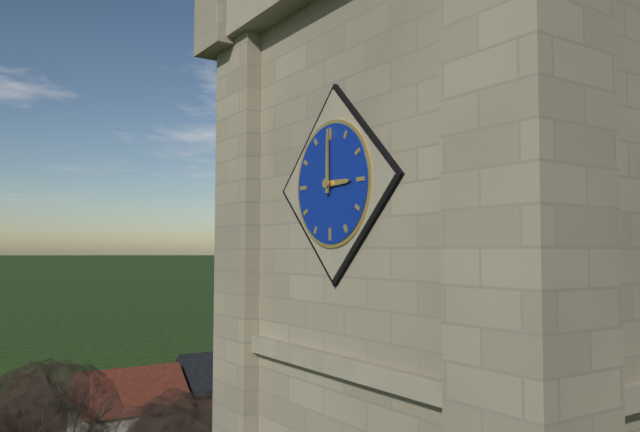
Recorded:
**3:00**
